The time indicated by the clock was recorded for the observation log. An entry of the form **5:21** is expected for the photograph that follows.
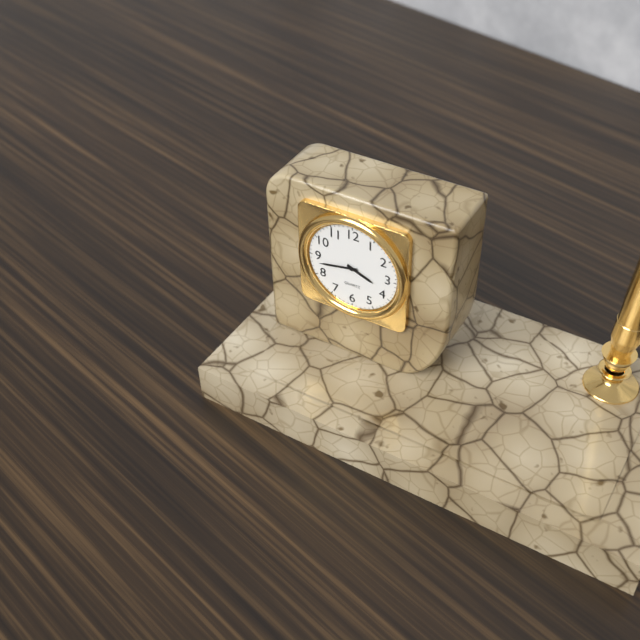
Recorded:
**3:43**
